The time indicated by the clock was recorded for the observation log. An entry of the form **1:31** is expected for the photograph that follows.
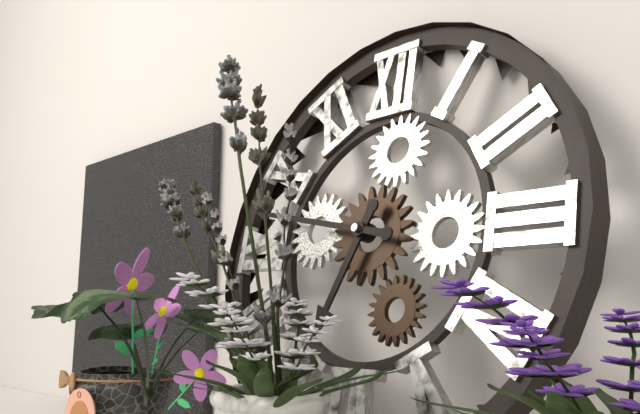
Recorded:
**6:47**
